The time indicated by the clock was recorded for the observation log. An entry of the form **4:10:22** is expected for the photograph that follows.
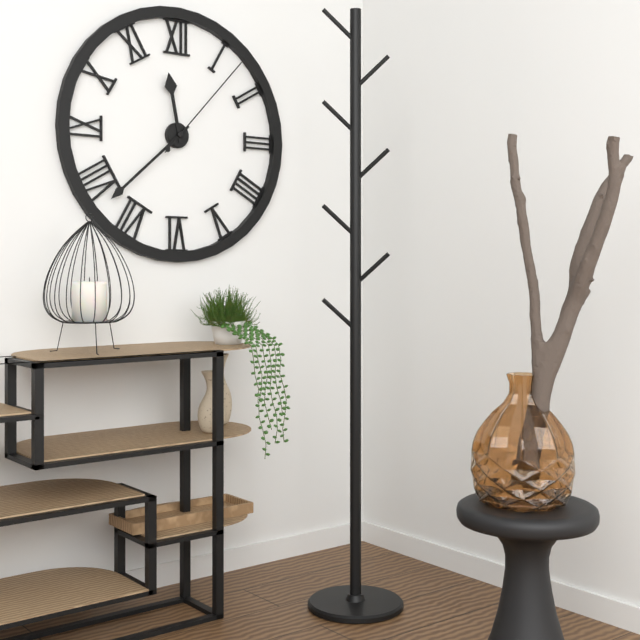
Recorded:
**11:38:07**
